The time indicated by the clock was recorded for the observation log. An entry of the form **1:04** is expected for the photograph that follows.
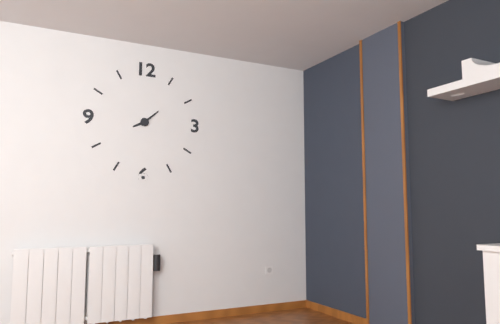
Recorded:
**8:08**
